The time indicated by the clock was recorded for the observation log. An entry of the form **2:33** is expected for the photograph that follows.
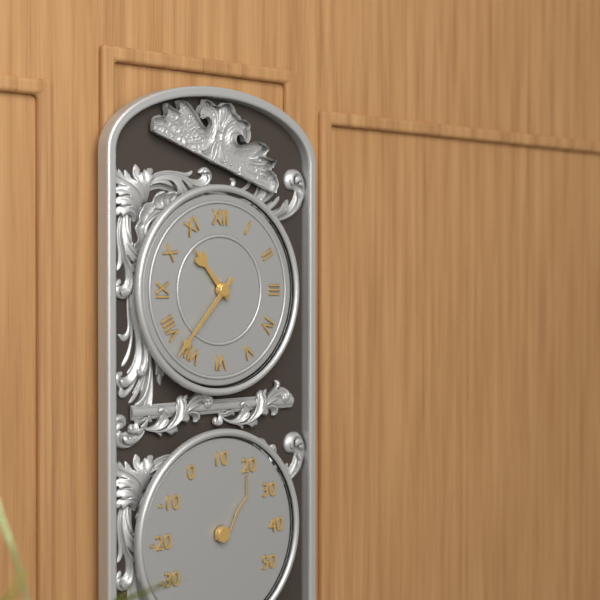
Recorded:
**10:37**
